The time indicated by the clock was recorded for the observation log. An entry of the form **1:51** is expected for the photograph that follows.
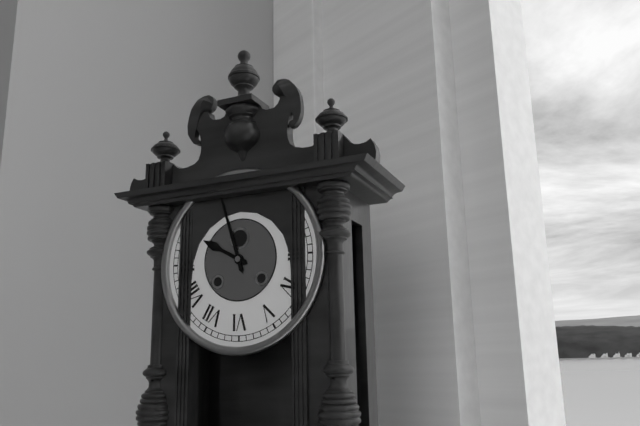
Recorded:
**9:57**
